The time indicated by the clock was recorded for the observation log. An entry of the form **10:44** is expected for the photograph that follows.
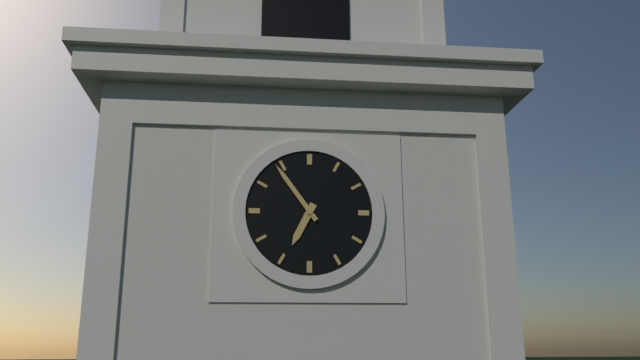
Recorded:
**6:54**
